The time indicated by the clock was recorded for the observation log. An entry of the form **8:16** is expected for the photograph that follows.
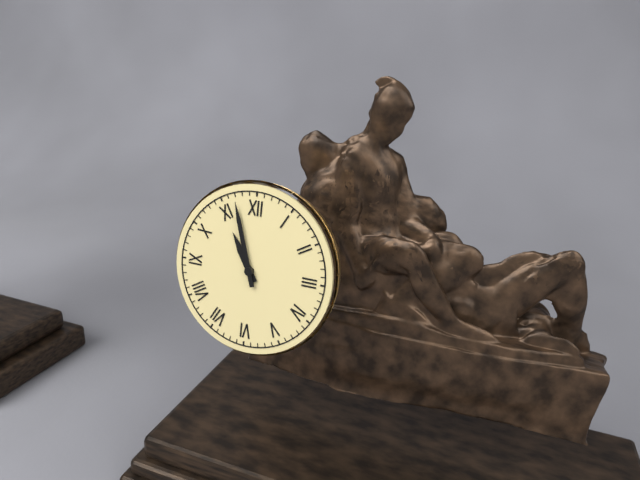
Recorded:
**10:57**
